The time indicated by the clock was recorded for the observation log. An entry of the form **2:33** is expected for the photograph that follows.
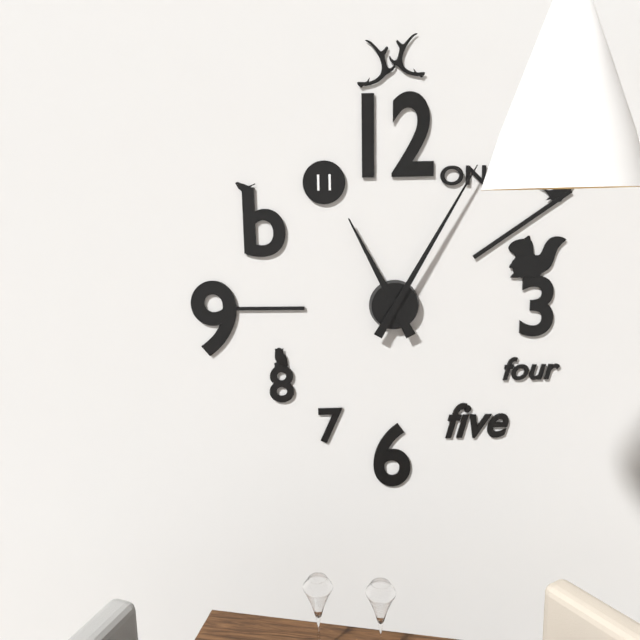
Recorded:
**11:05**
